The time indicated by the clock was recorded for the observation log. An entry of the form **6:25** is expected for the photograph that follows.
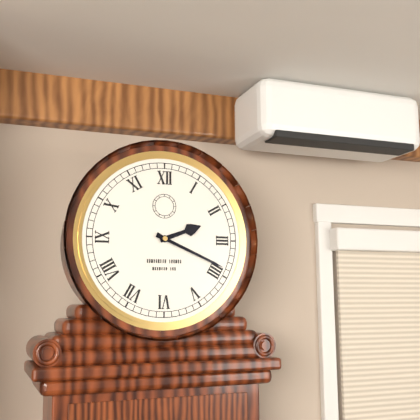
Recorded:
**2:19**
